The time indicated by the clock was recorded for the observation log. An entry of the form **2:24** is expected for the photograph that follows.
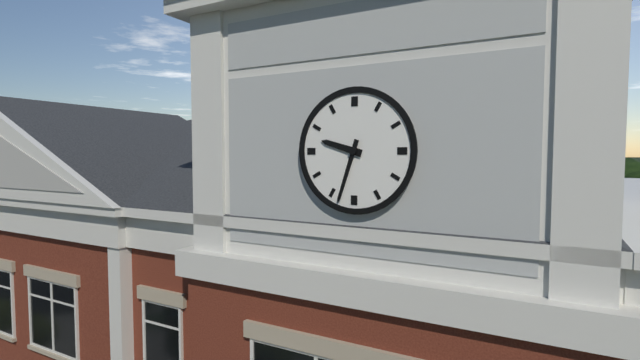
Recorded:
**9:33**
